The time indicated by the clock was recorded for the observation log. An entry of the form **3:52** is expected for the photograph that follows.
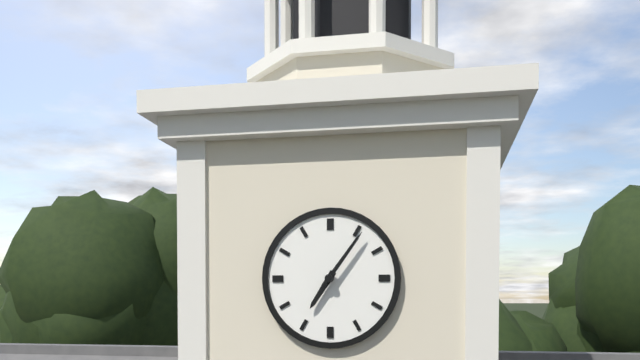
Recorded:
**7:06**
